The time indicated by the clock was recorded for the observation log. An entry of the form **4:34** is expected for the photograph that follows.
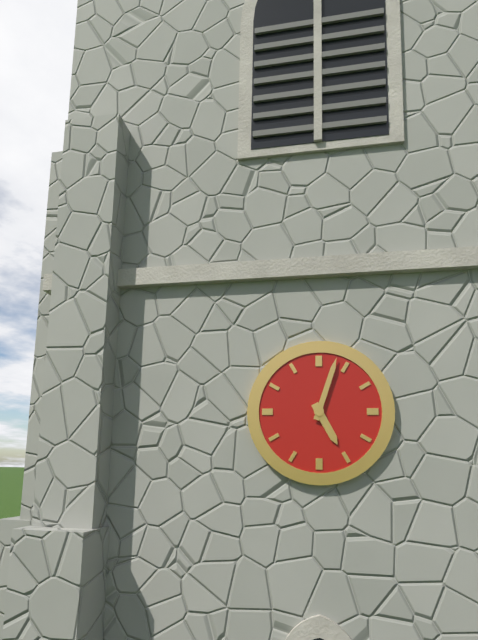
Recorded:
**5:03**
